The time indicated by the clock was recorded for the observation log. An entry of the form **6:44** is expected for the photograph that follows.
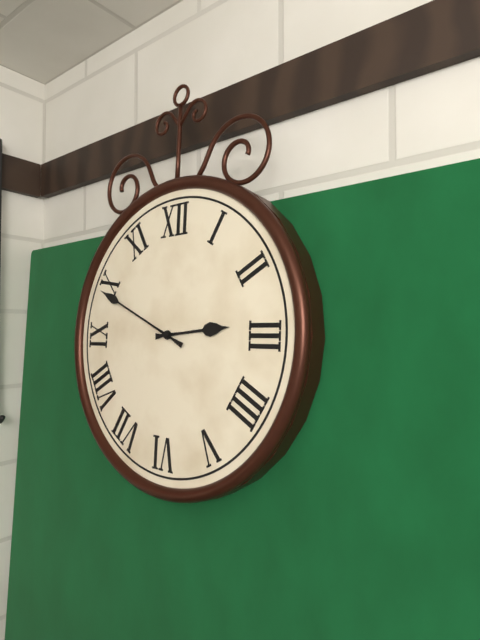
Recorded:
**2:49**
